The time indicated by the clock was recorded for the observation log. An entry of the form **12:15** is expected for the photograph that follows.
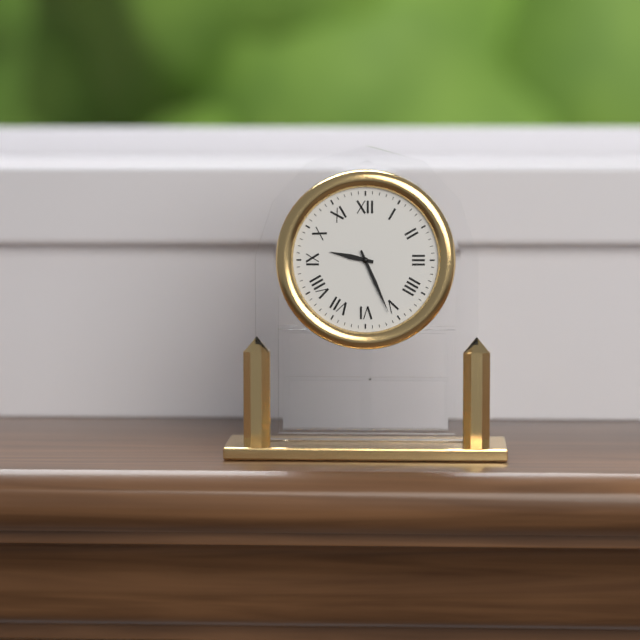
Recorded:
**9:26**
